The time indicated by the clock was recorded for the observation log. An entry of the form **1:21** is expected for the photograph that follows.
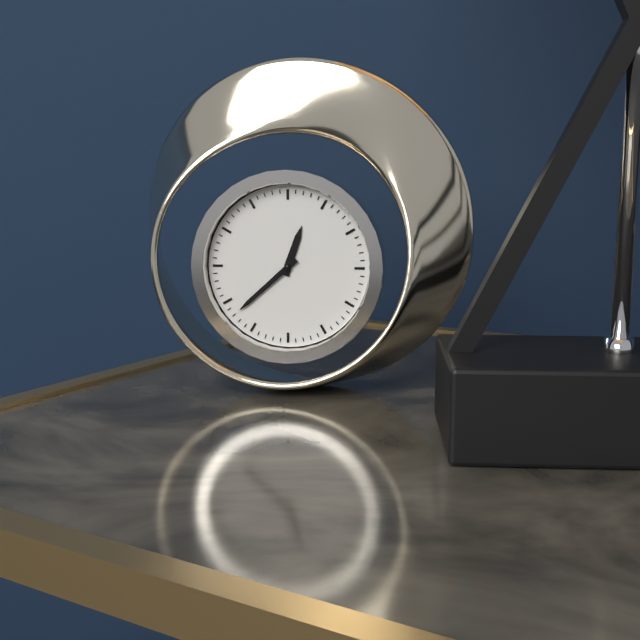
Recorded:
**12:38**
